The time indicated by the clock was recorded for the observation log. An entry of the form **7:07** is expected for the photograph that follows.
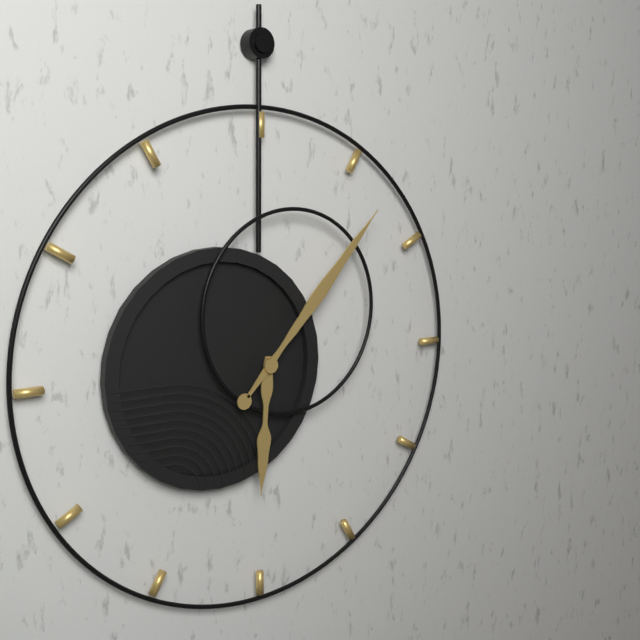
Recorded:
**6:07**
